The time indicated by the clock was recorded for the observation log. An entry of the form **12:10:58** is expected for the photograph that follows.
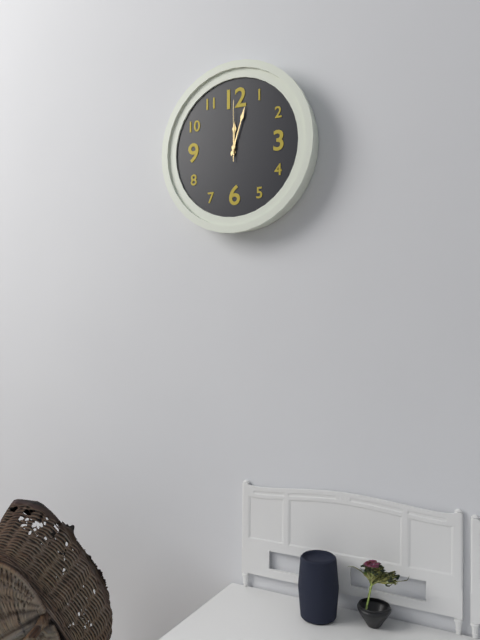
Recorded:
**12:03:00**
